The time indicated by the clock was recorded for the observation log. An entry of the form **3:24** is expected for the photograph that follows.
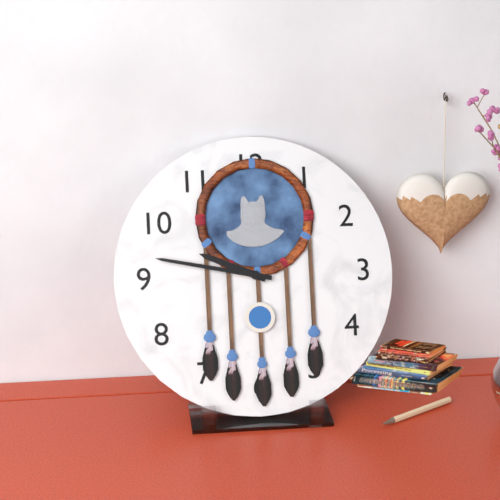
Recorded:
**9:47**
